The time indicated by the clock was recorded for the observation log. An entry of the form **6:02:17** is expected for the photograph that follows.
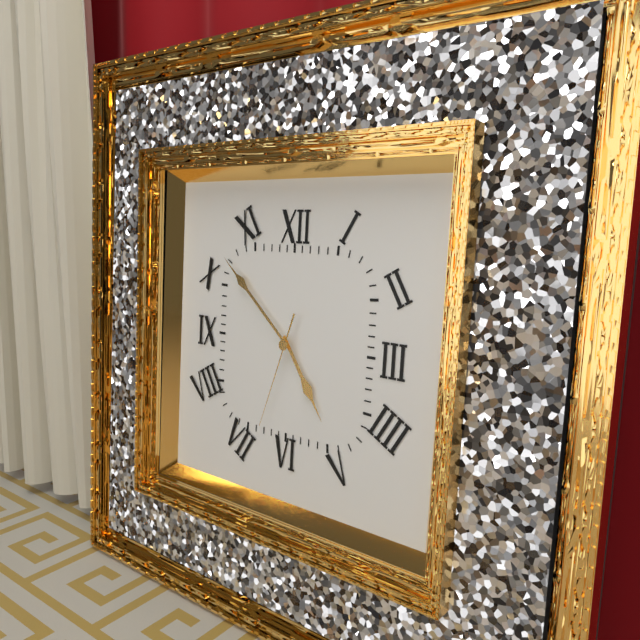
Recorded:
**4:52:33**
